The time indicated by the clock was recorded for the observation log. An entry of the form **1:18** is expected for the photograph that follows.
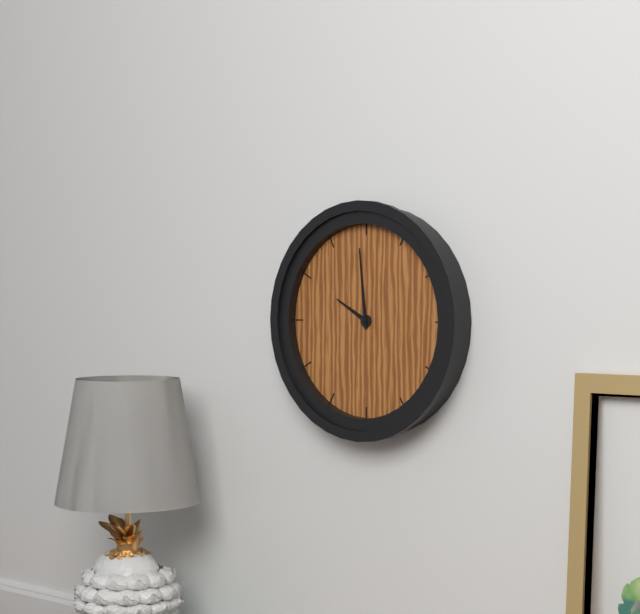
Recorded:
**9:59**
